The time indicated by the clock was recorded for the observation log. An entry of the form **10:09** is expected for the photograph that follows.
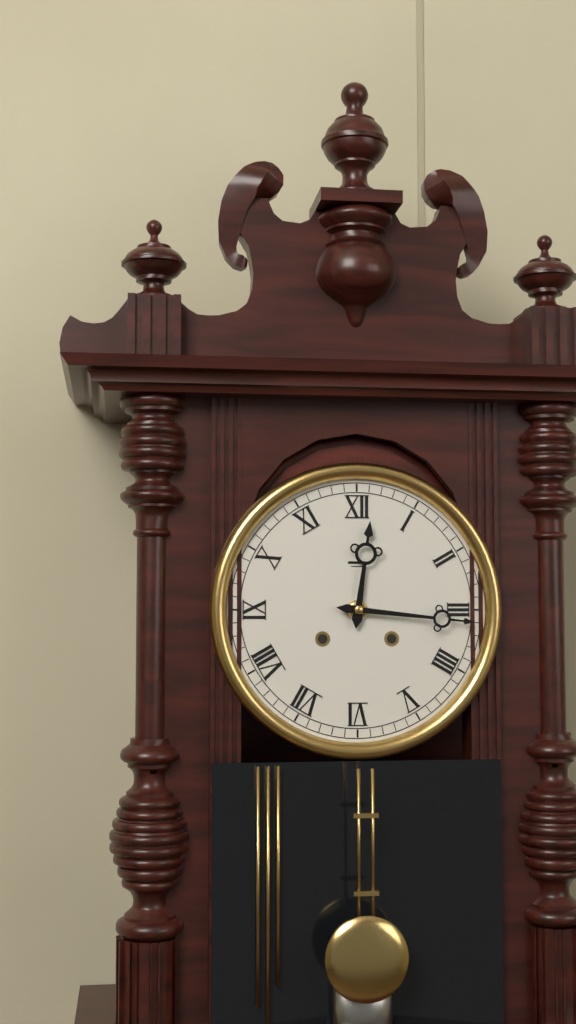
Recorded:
**12:16**
